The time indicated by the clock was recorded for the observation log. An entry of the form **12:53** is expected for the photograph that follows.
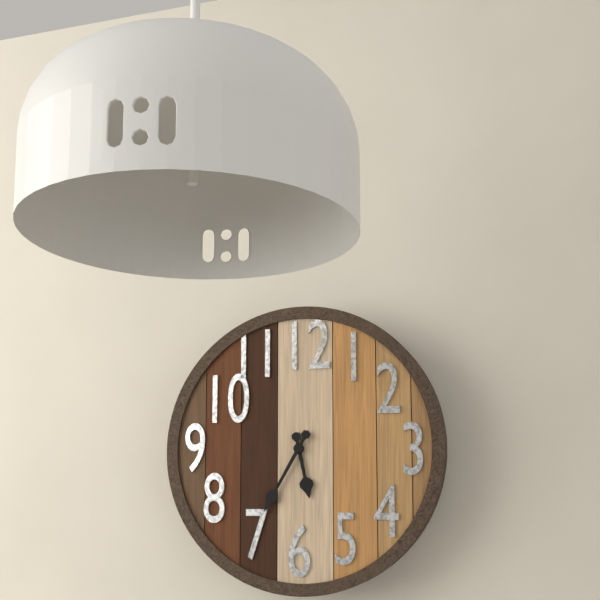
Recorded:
**5:35**
